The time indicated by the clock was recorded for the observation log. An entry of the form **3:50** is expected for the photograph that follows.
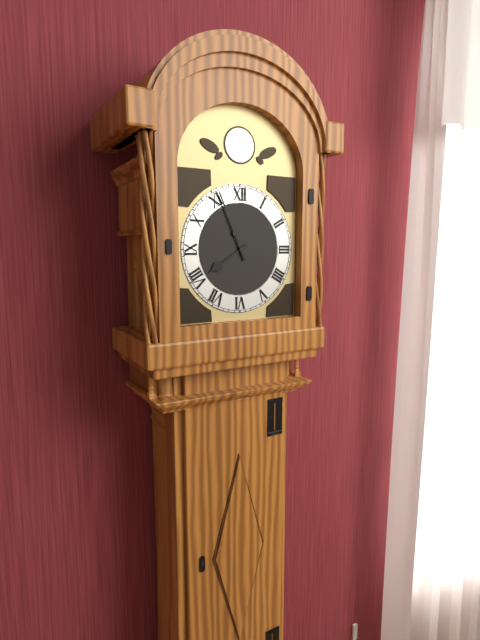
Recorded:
**7:56**
